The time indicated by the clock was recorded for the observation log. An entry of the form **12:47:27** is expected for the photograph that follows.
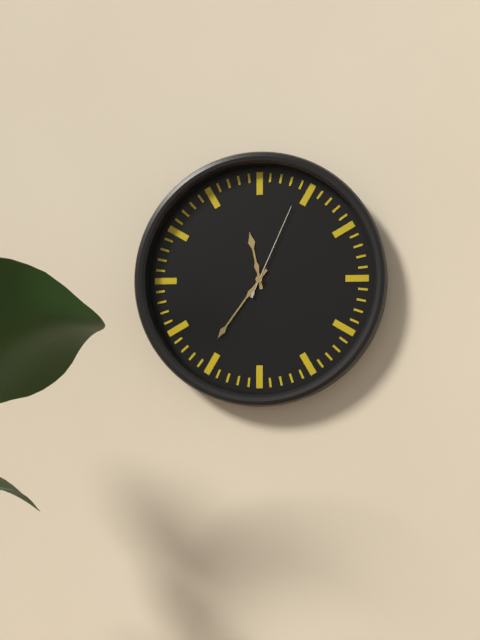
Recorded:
**11:36:04**
